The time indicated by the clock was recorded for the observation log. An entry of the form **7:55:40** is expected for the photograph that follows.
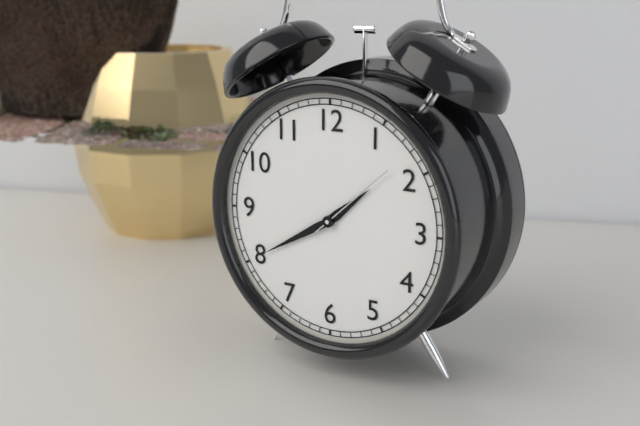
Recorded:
**1:40:08**
